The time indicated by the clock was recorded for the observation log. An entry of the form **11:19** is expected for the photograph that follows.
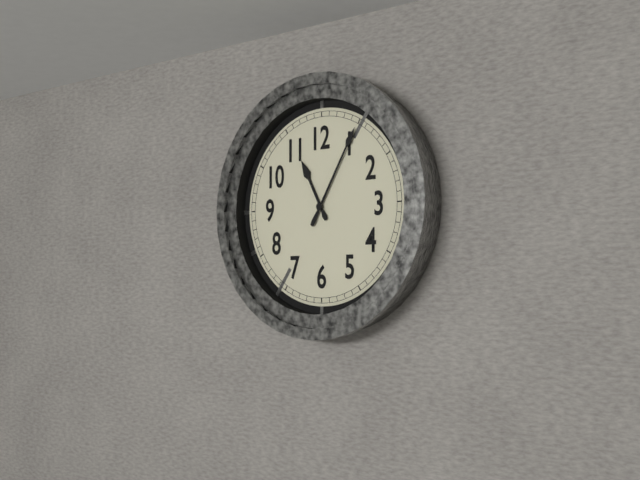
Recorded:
**11:05**
